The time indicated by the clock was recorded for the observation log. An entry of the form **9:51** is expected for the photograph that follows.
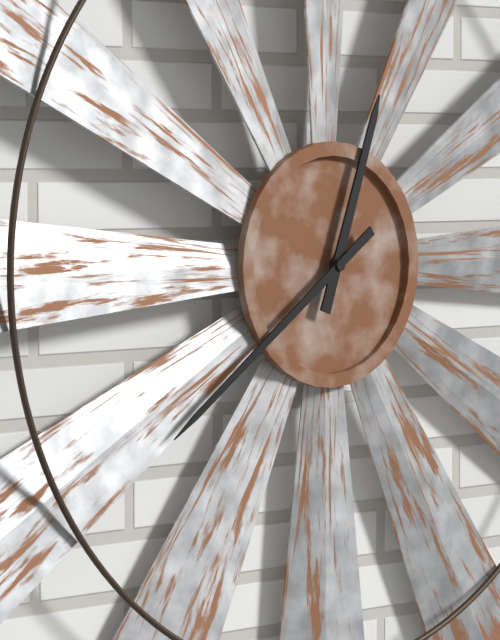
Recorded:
**12:39**
